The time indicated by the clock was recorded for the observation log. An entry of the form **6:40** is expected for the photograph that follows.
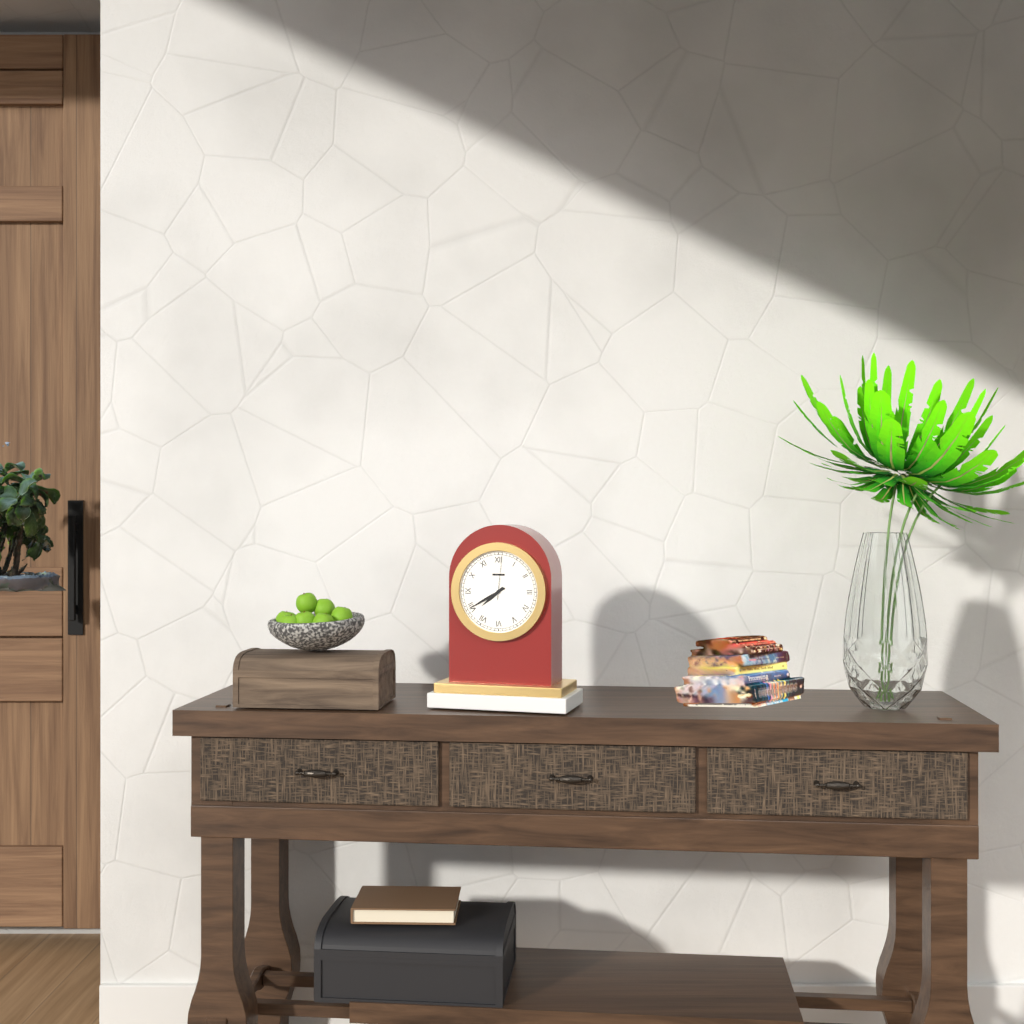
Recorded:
**7:40**
